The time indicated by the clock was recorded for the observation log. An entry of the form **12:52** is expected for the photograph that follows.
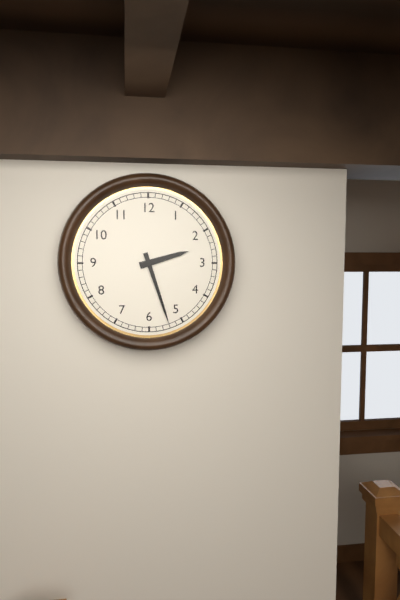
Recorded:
**2:27**
